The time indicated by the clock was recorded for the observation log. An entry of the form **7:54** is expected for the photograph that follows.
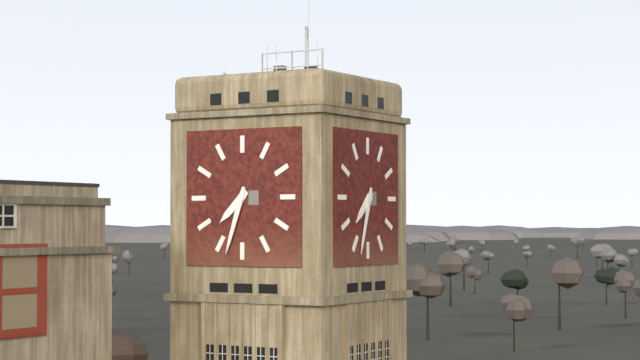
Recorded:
**7:33**
